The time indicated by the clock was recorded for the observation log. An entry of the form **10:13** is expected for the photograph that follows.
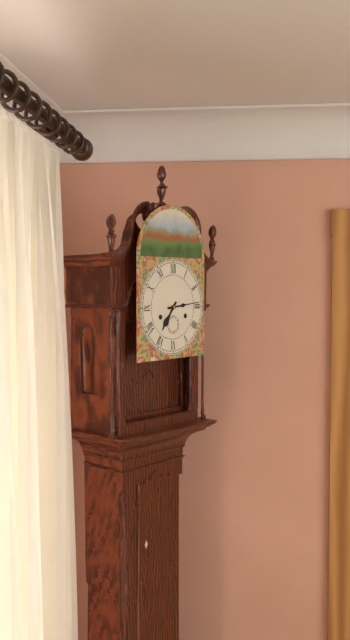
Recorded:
**7:14**
